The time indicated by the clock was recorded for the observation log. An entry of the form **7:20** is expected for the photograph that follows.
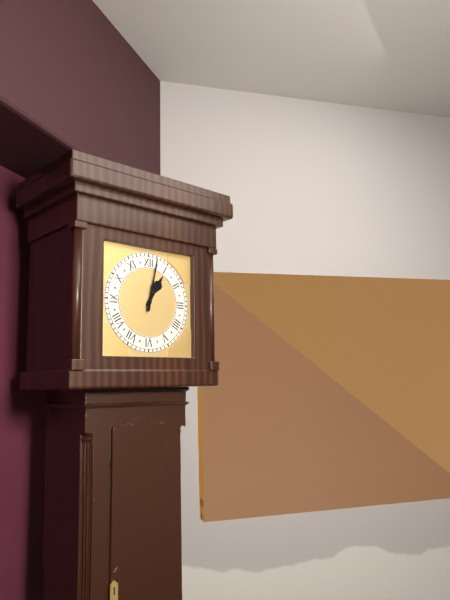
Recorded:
**1:02**
